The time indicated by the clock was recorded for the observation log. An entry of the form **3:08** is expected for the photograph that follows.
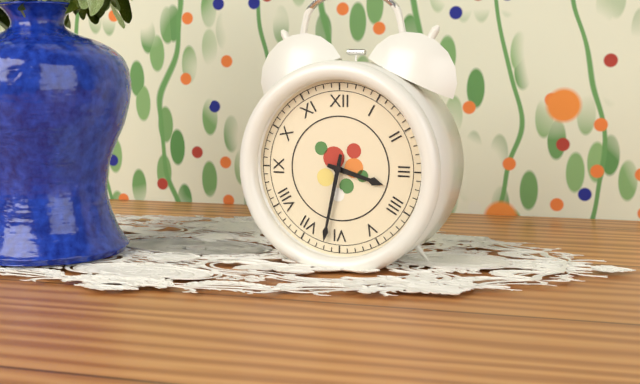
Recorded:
**3:32**
